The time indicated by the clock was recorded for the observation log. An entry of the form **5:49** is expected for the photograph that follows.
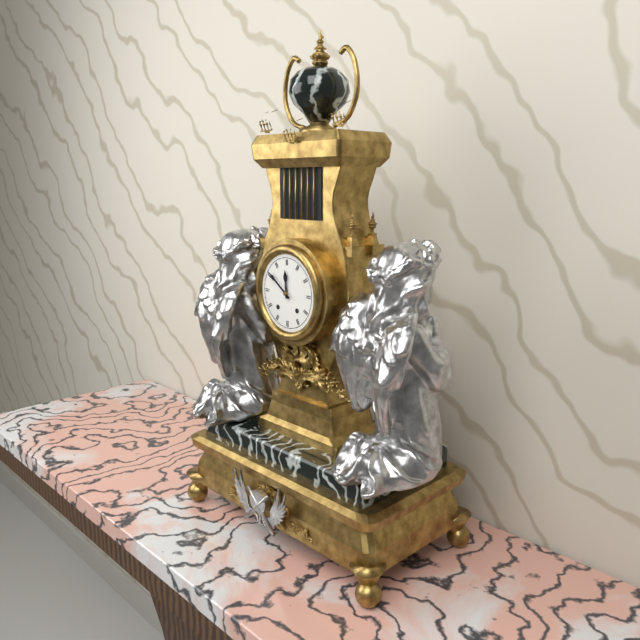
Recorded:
**11:51**
